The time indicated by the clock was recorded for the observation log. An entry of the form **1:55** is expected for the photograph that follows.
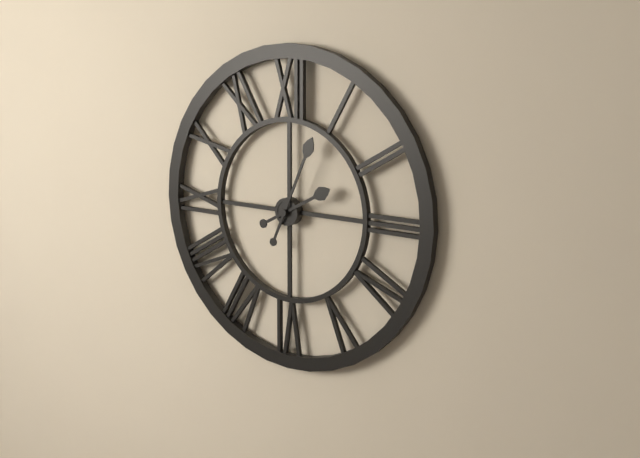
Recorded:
**2:04**
